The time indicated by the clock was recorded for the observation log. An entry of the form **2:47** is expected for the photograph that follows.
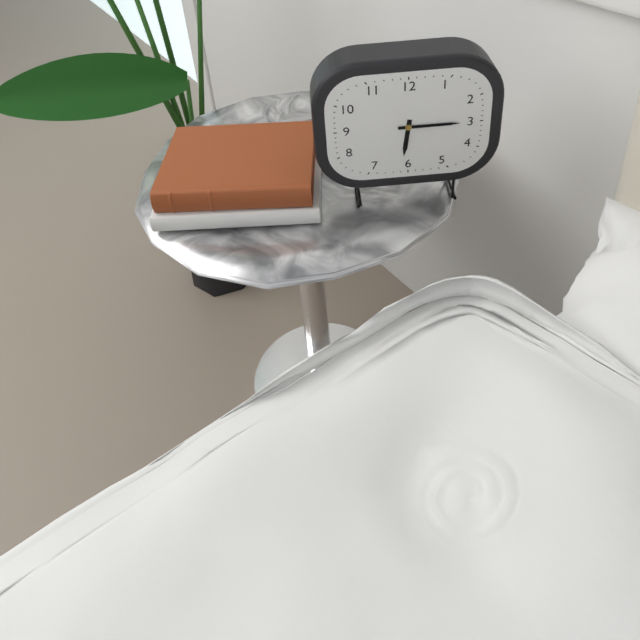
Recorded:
**6:15**
